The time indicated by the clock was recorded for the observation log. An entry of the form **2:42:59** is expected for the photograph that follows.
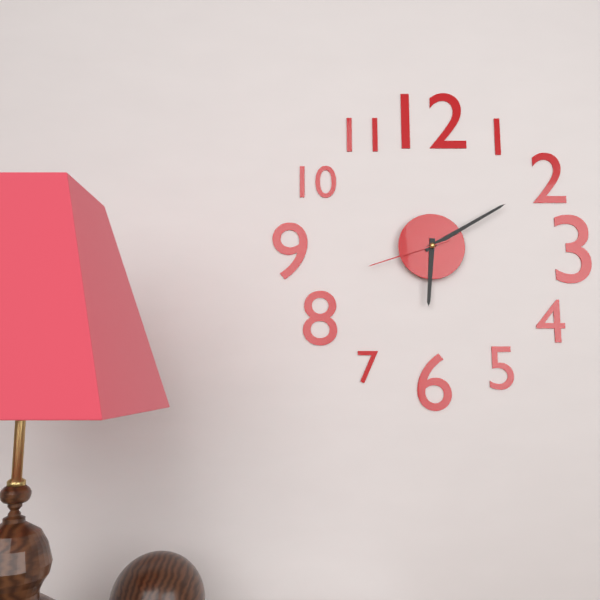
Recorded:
**6:10:42**
